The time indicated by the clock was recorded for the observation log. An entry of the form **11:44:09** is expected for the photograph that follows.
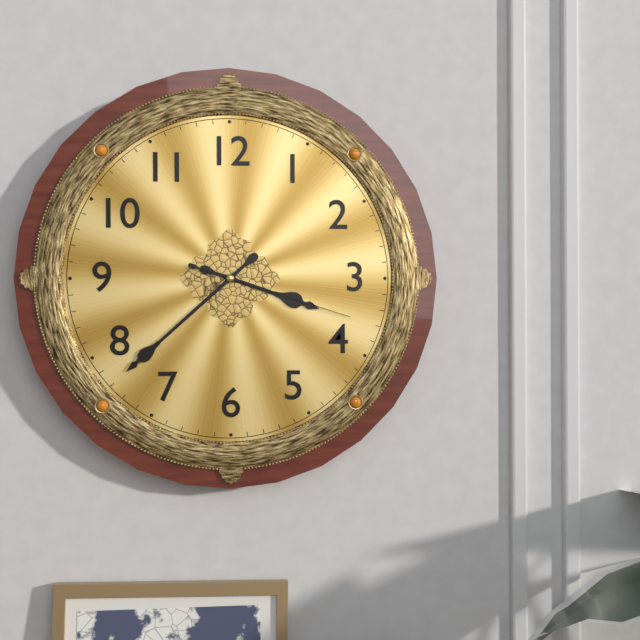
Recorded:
**3:38:18**
